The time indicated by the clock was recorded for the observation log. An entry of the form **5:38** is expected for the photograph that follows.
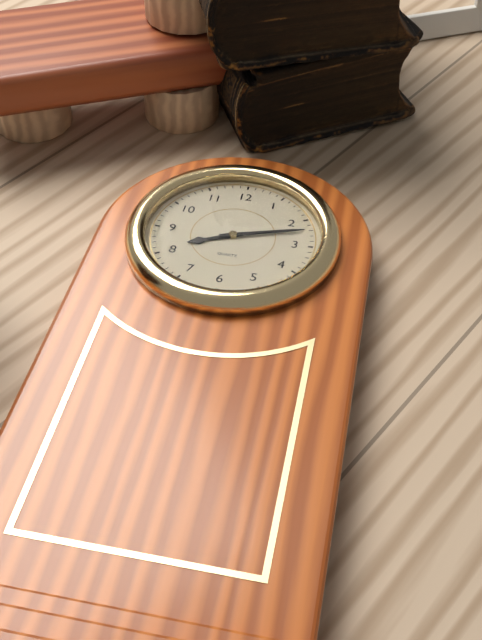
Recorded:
**8:12**
